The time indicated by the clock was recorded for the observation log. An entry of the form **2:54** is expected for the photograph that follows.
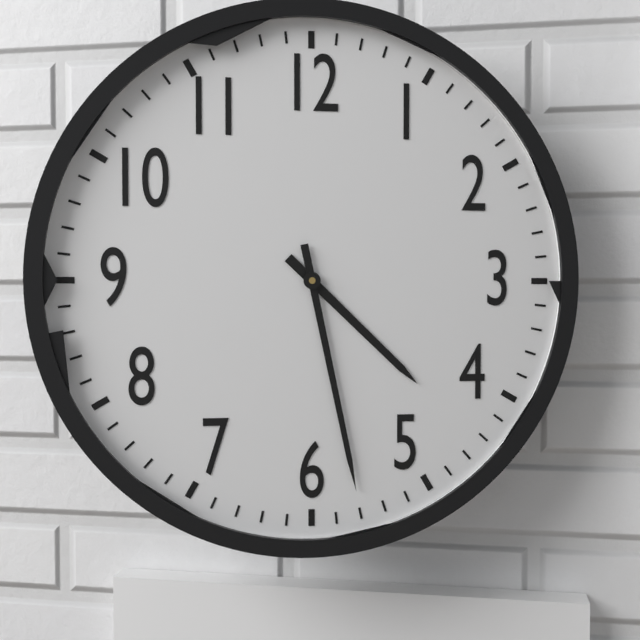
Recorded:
**4:28**
